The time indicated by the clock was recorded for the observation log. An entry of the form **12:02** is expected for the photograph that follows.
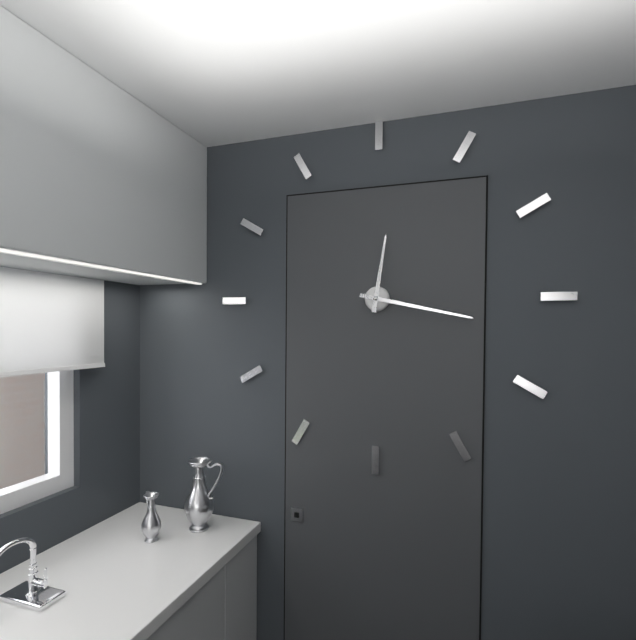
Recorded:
**12:17**
